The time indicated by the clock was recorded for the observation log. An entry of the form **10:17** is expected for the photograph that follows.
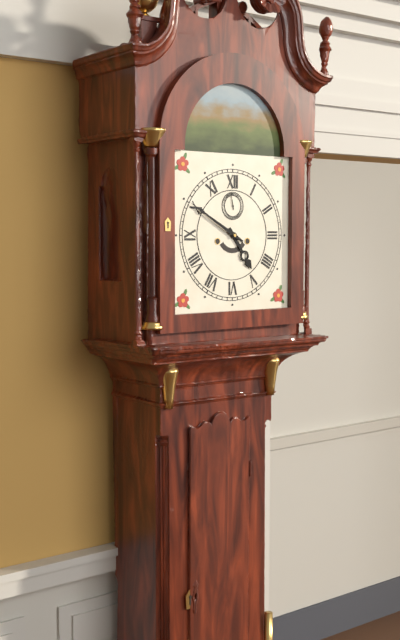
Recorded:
**4:50**
